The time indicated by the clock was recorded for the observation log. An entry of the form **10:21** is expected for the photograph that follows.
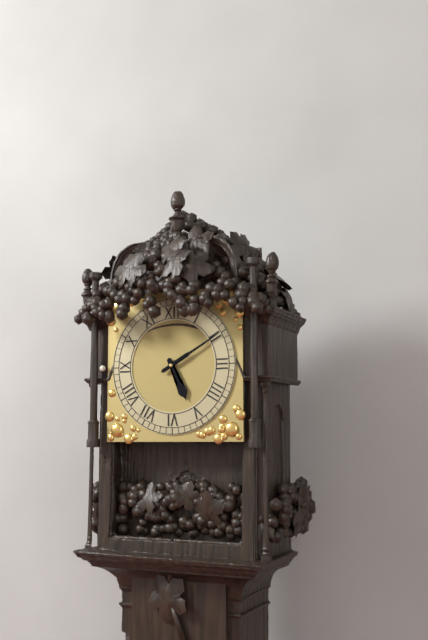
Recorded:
**5:10**
